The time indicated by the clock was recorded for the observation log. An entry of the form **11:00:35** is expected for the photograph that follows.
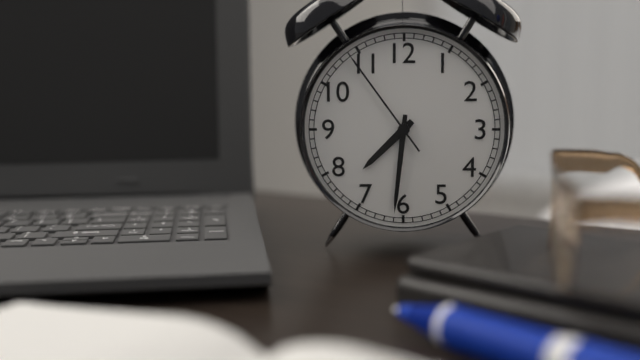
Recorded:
**7:31:54**
